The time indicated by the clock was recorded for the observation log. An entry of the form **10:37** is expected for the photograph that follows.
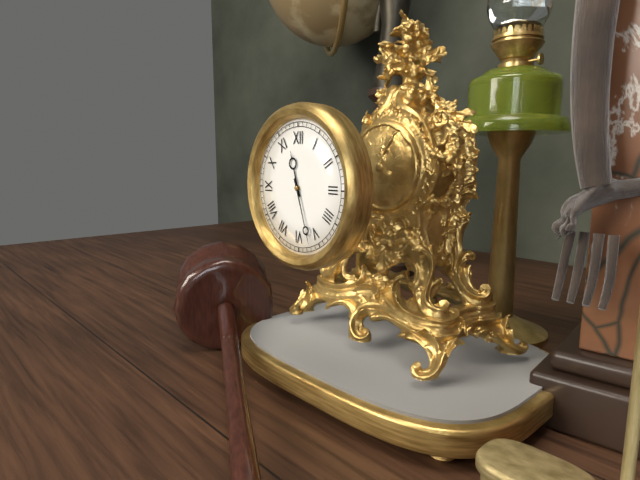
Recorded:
**11:27**
